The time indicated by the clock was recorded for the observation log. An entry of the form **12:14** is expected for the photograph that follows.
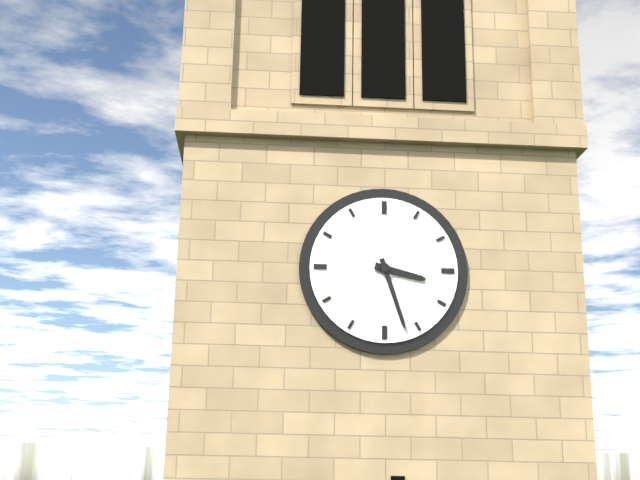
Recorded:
**3:27**
